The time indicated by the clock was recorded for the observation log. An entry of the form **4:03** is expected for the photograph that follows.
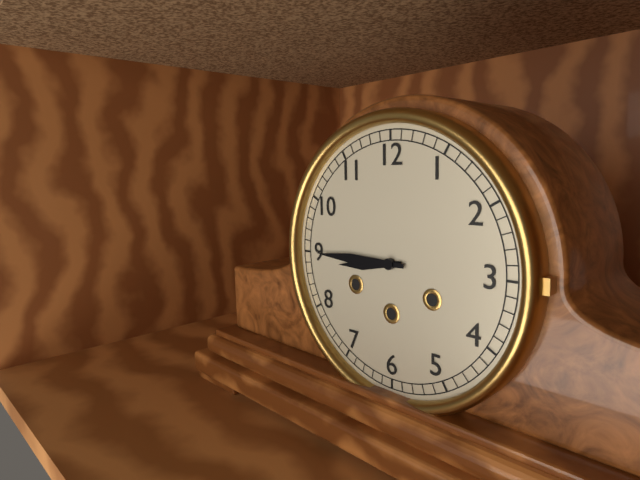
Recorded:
**8:45**
